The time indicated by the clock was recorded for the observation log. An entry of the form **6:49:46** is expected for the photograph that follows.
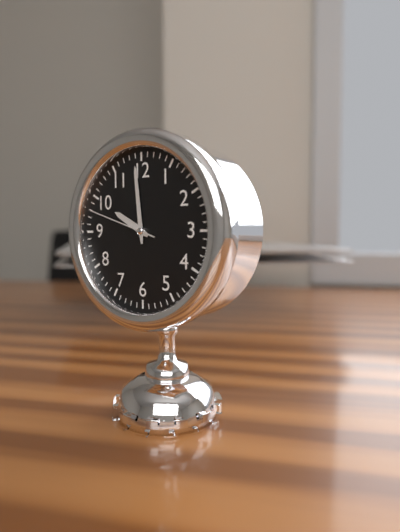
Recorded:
**9:59:48**
